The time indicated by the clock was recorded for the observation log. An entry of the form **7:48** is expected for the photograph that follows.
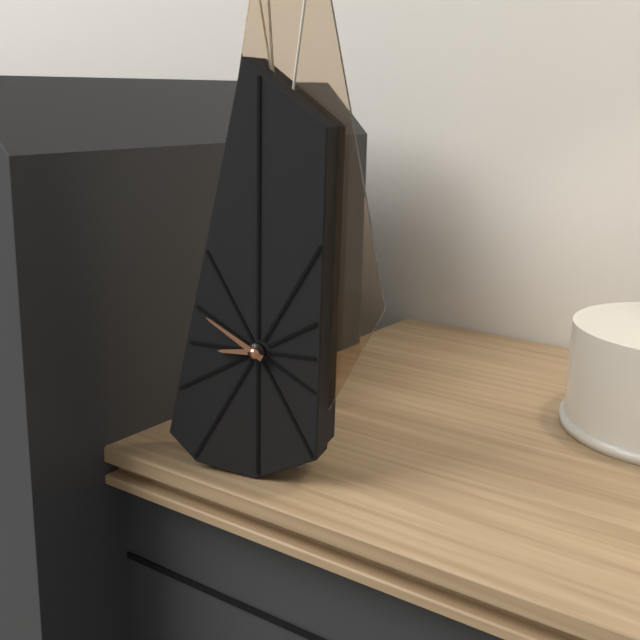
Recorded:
**8:50**
